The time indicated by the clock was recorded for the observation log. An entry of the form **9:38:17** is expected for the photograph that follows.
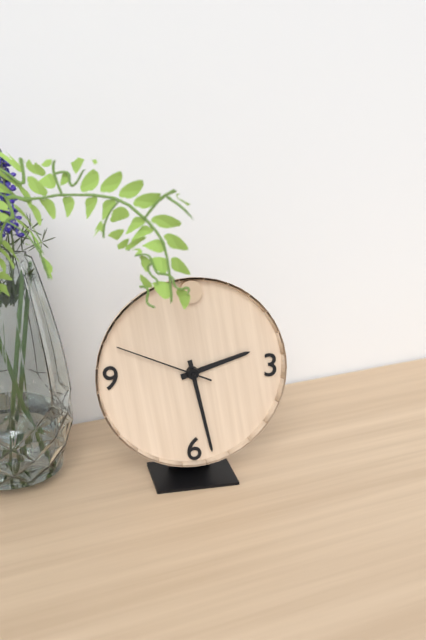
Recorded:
**2:28:49**
